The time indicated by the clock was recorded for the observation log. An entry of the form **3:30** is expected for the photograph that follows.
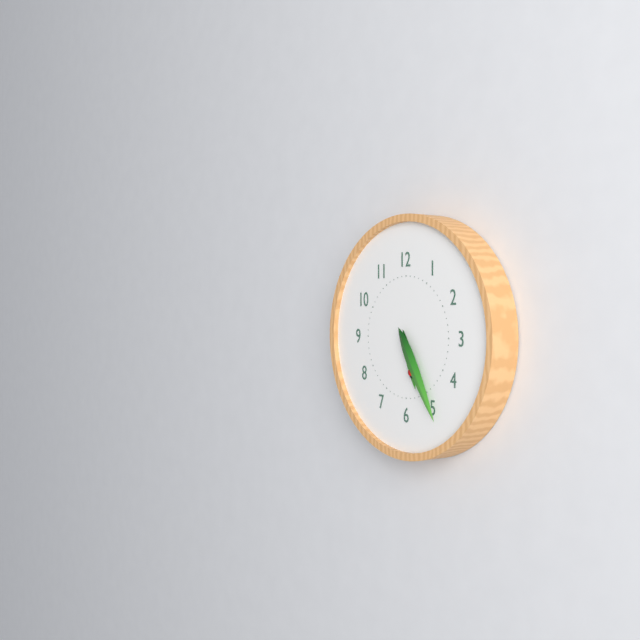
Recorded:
**5:25**
